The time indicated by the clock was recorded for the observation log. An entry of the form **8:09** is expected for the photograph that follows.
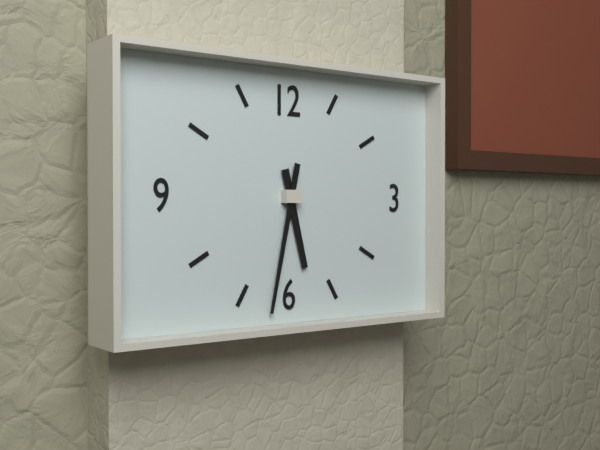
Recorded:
**5:32**
